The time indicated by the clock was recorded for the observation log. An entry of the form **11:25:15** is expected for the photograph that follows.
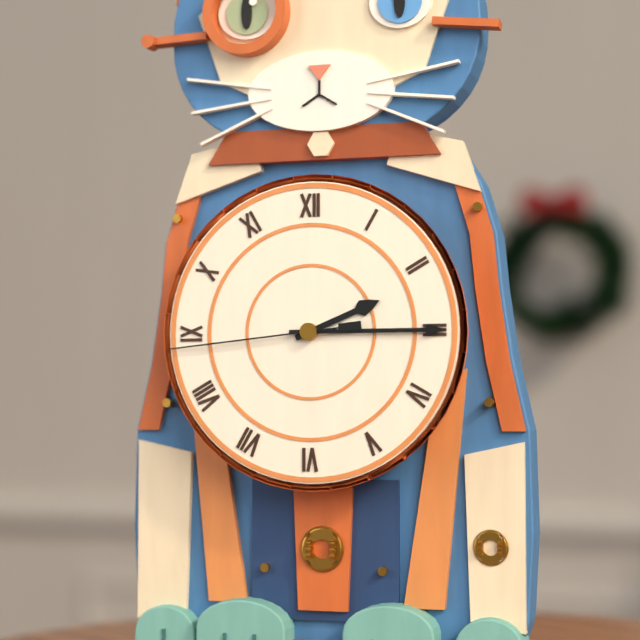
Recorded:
**2:15:44**
